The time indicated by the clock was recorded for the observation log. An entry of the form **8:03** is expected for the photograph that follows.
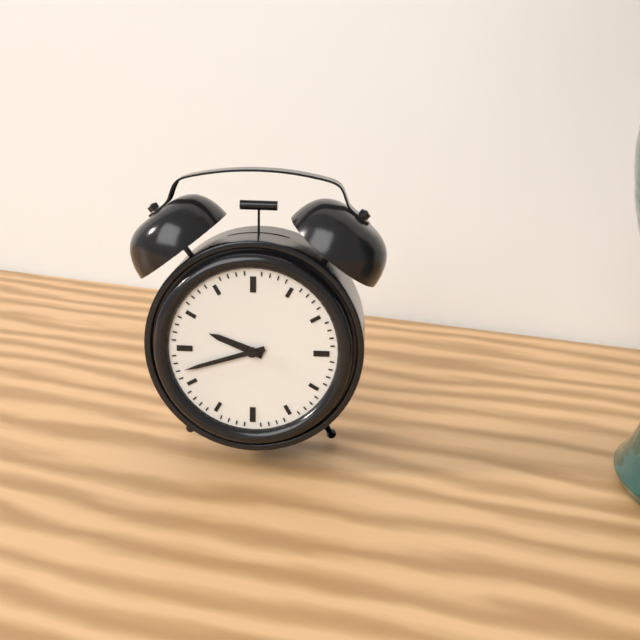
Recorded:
**9:42**
